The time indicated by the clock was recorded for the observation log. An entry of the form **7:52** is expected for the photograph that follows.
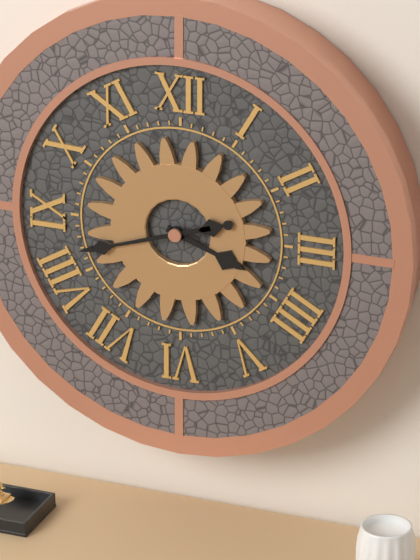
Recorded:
**3:42**
